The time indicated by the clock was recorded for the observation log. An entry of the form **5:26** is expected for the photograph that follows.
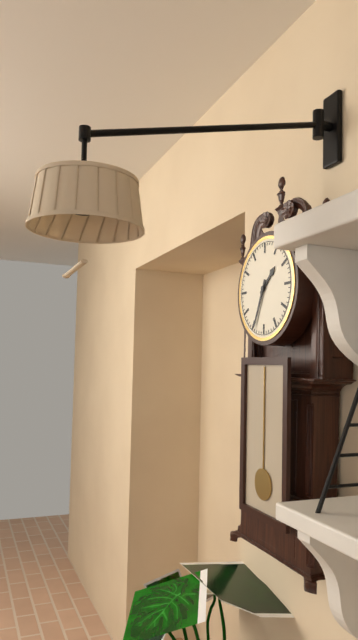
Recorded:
**1:34**
